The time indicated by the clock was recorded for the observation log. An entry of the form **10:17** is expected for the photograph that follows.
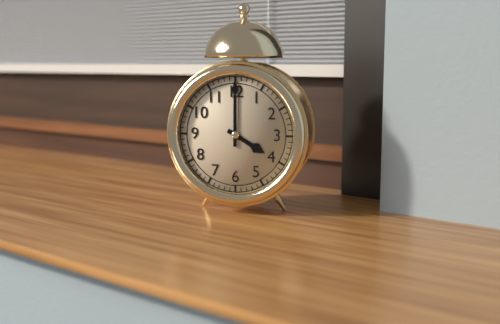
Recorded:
**4:00**
